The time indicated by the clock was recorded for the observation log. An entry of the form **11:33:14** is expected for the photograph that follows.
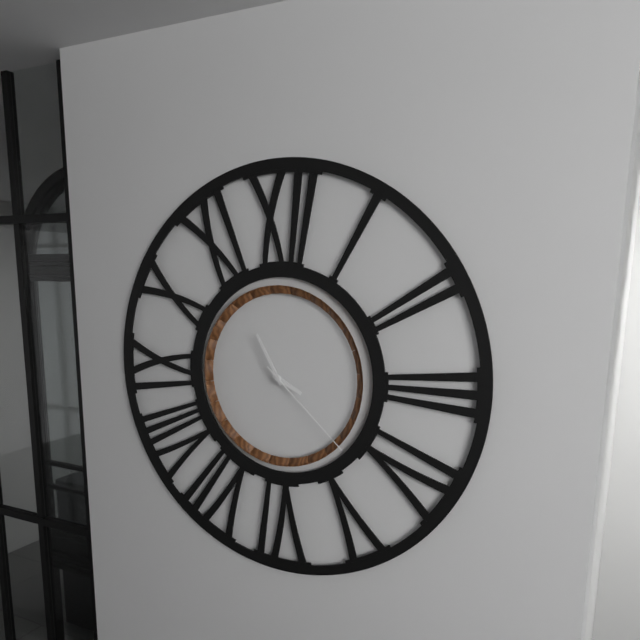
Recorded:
**3:55:22**
